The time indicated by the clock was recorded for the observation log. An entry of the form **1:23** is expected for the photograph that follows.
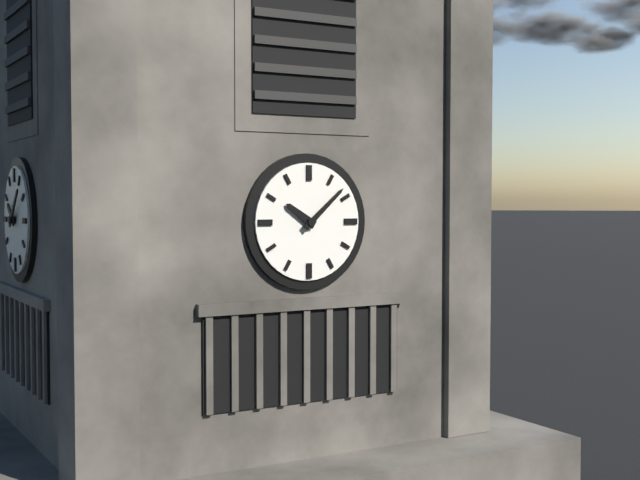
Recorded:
**10:08**
